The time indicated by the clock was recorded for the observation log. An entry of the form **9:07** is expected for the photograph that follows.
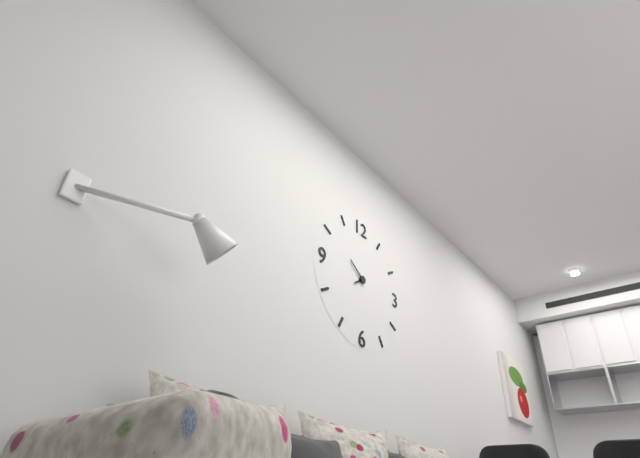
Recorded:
**7:51**
